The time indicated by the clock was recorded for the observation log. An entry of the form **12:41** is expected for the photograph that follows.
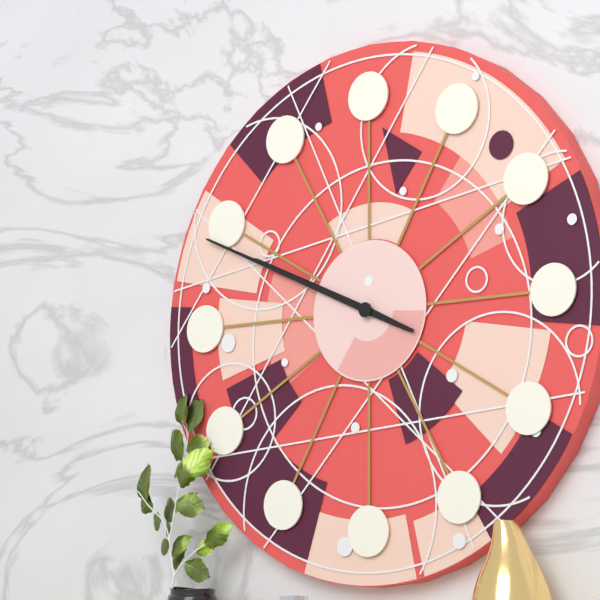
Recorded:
**9:49**
